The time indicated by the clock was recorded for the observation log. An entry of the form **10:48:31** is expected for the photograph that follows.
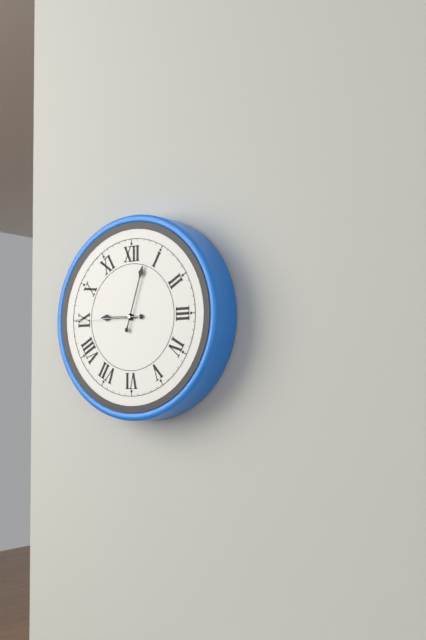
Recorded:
**9:03:45**
